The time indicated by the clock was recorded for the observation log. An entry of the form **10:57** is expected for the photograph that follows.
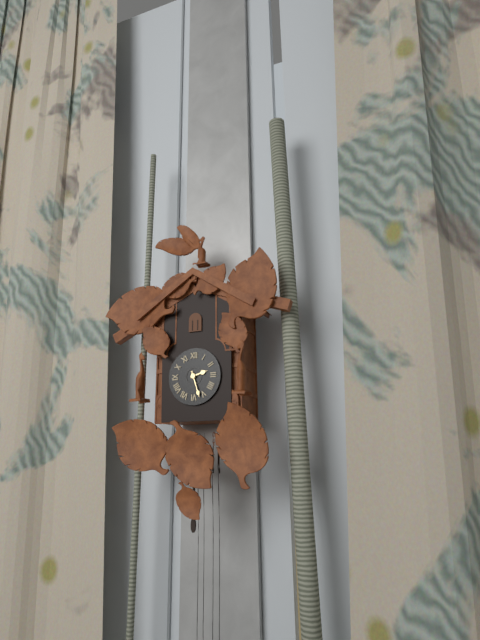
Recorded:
**2:27**
